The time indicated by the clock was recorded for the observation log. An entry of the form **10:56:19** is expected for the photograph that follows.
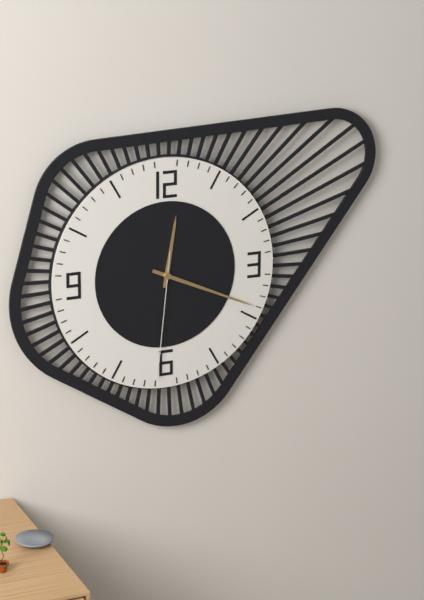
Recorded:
**12:19:31**
